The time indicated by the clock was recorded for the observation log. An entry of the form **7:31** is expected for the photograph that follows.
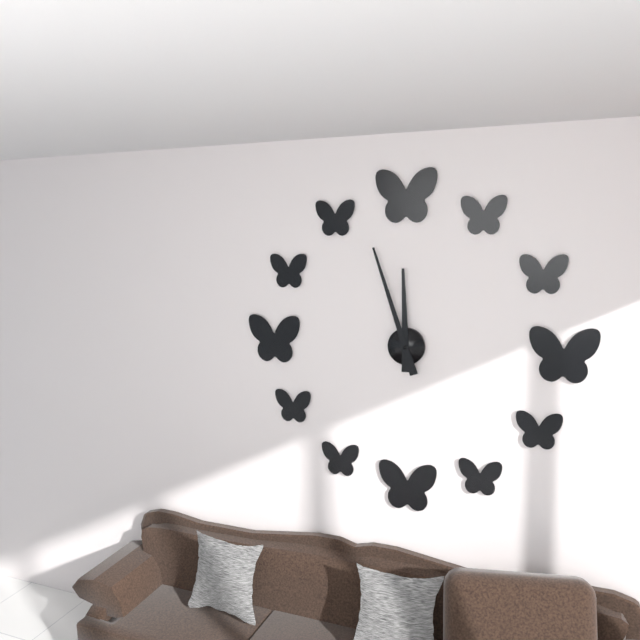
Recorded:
**11:57**
